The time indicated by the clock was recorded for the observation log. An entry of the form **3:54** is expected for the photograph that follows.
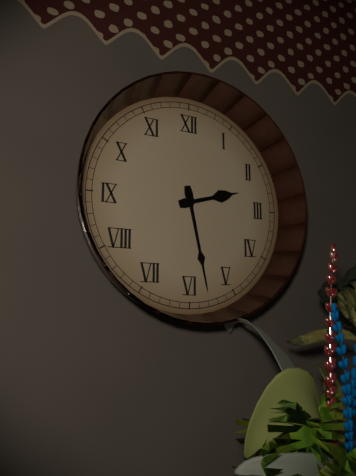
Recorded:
**2:28**
